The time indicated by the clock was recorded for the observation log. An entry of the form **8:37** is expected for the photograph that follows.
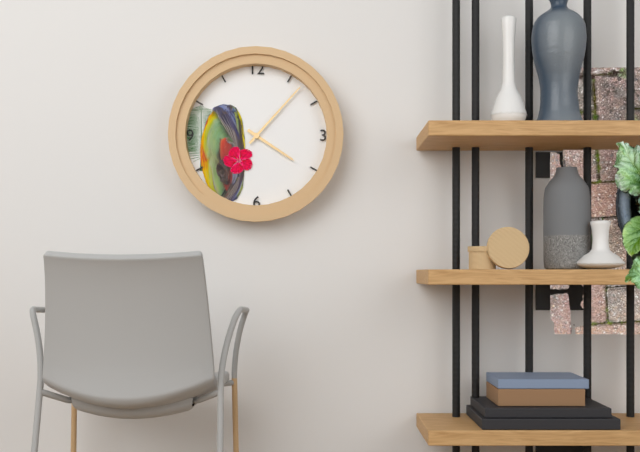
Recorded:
**4:07**
